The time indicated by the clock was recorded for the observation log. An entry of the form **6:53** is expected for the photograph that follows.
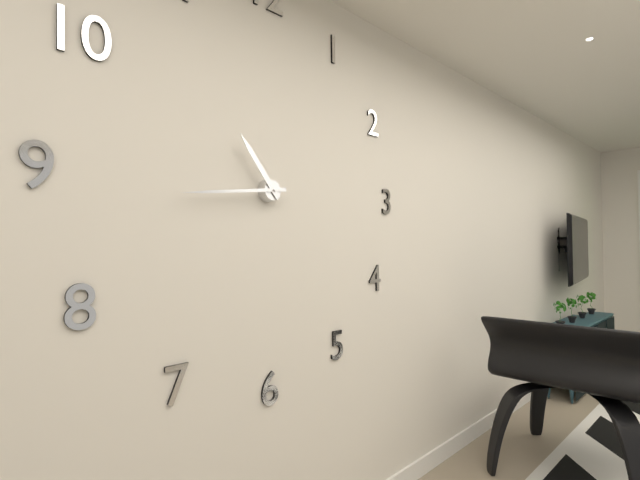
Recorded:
**10:44**
